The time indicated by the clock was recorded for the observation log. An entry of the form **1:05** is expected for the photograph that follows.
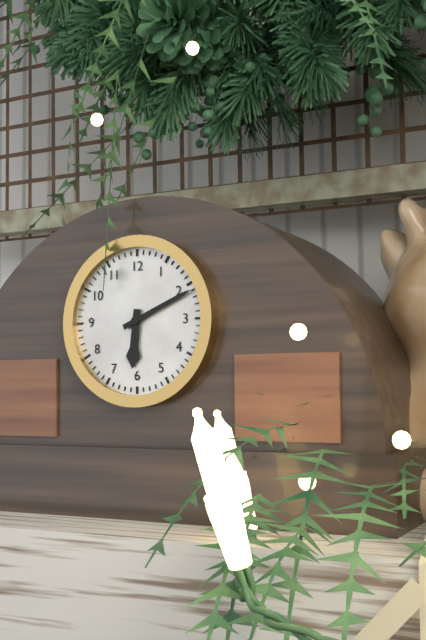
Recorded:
**6:11**
